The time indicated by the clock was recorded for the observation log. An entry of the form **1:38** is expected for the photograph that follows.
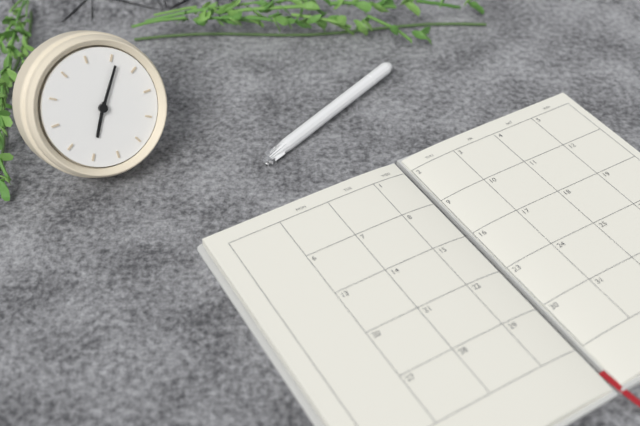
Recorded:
**6:01**
